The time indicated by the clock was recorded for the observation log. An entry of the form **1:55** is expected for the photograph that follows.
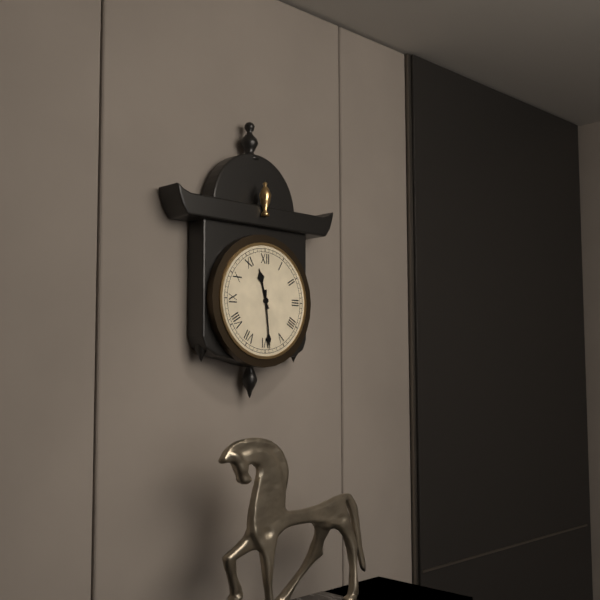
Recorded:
**11:29**
